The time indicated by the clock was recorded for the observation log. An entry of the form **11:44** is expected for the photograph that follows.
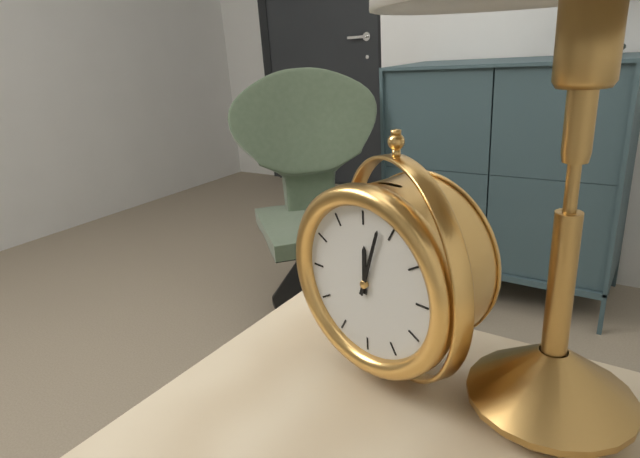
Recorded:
**12:03**
